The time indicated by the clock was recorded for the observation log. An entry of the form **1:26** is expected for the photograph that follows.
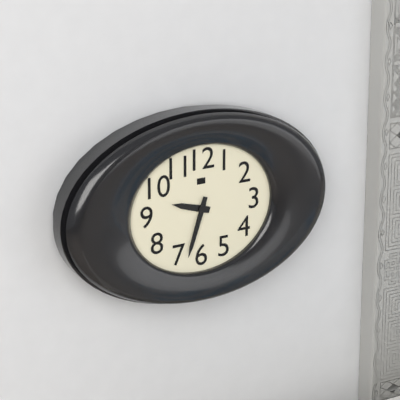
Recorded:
**9:33**
